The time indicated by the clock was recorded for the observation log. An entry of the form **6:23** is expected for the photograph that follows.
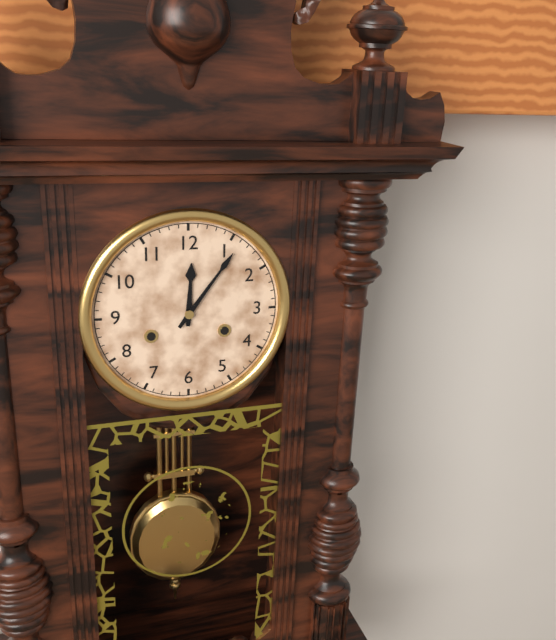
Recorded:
**12:06**
